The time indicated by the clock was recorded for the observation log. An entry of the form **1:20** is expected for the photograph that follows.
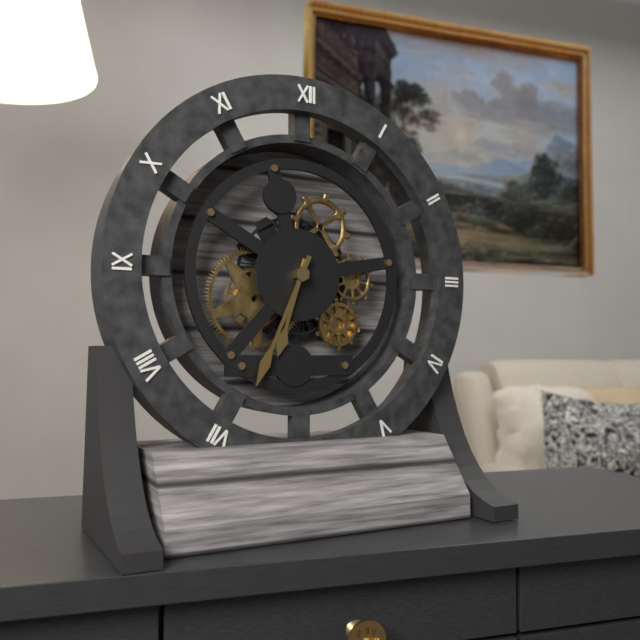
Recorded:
**6:34**
